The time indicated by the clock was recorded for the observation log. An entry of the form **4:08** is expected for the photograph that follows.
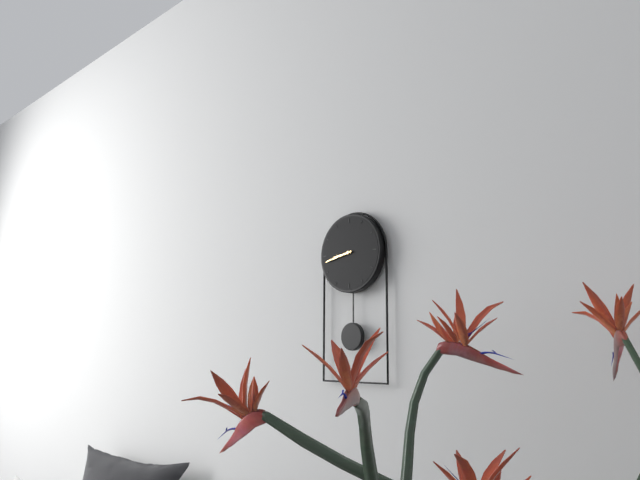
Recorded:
**8:43**
